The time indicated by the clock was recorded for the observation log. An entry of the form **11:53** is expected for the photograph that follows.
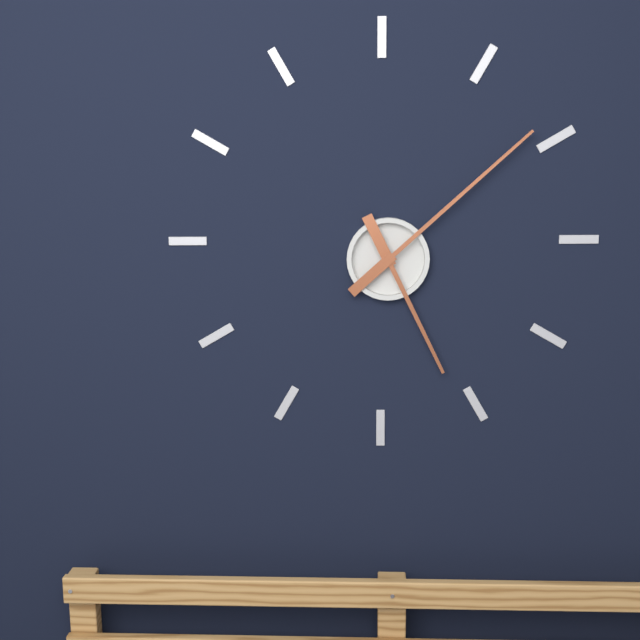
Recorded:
**5:08**
